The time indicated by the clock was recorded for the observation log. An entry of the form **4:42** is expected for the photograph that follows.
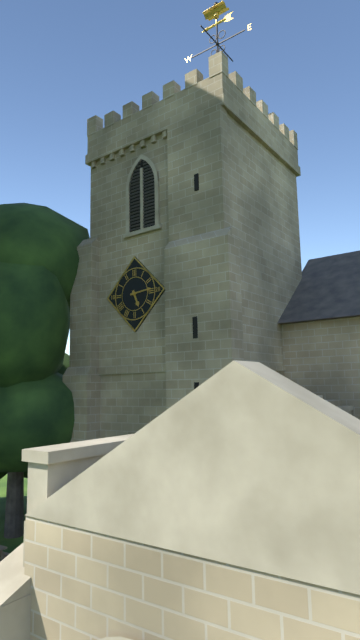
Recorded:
**5:14**
